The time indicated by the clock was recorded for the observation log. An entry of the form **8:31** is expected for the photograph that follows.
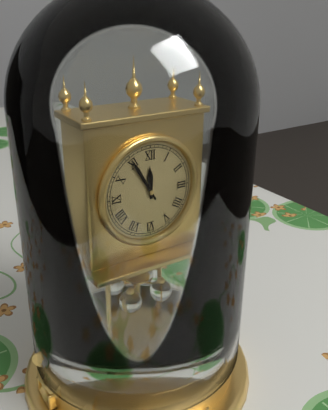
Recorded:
**11:55**
